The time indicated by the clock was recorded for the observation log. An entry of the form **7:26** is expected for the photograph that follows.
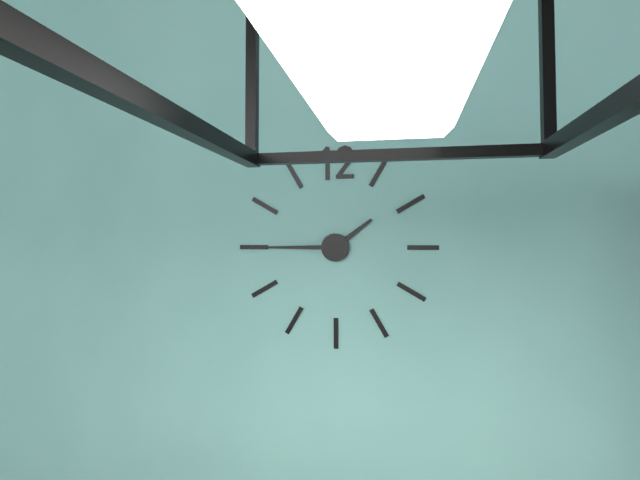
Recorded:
**1:45**
